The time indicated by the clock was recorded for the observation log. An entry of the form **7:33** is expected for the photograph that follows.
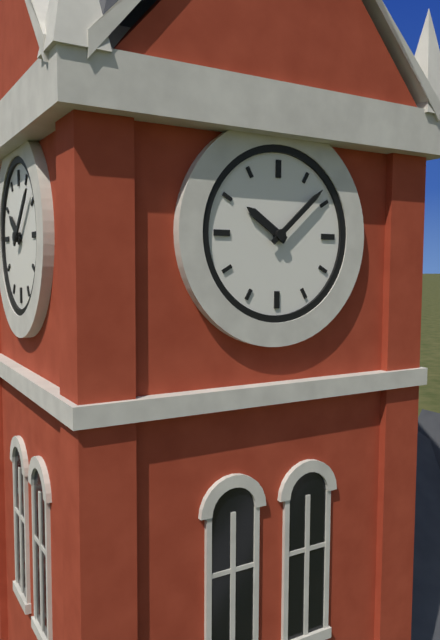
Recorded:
**10:08**
